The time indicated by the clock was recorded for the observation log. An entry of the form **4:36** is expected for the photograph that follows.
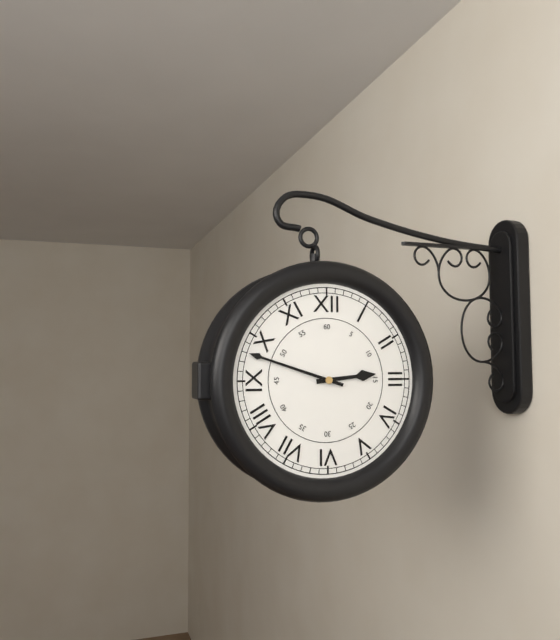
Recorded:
**2:48**
